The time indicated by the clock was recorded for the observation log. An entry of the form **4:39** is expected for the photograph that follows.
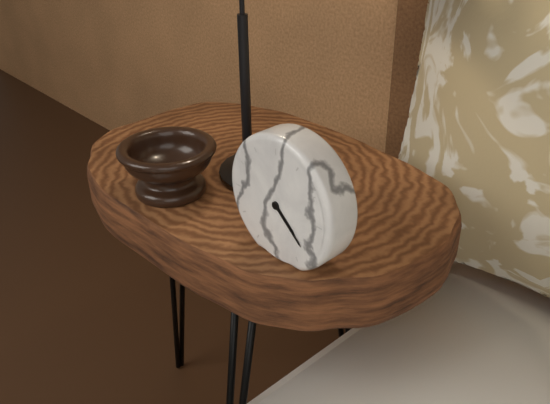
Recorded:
**4:22**
